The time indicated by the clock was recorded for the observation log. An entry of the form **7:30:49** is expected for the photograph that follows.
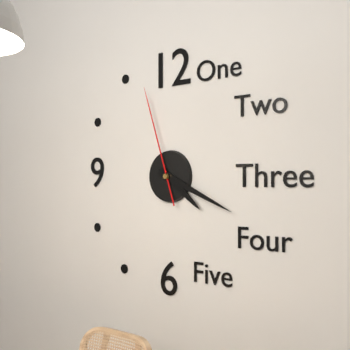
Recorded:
**4:19:57**
